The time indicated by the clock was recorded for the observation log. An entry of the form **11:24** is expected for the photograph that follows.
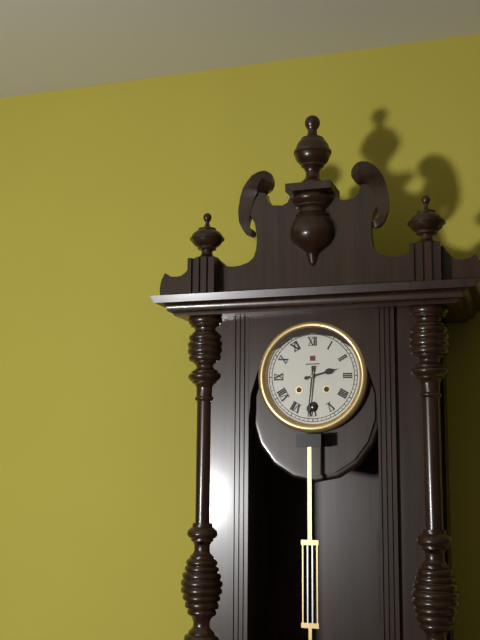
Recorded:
**2:31**
